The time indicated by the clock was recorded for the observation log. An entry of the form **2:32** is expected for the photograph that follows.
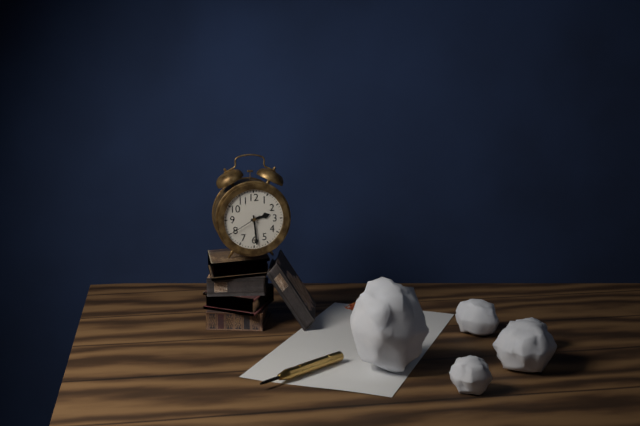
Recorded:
**2:29**
